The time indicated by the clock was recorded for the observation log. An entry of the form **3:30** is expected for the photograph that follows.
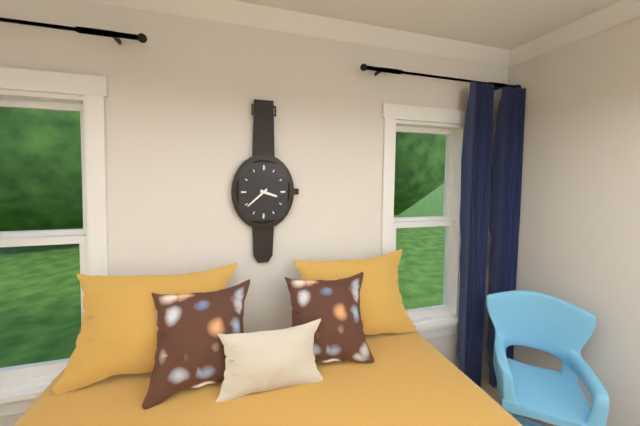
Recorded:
**3:38**
